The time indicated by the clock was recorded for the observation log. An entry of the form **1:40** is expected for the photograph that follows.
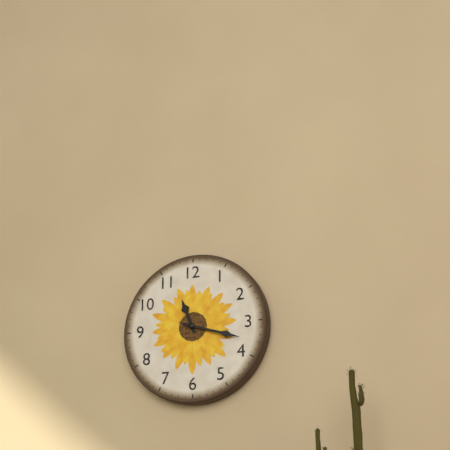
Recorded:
**11:18**
